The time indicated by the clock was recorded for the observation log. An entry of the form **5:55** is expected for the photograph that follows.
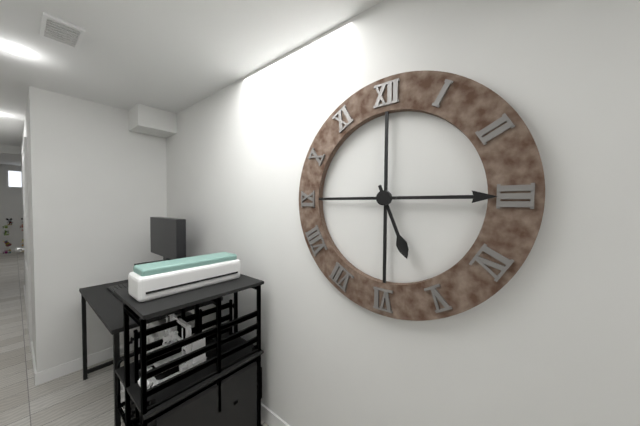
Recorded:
**5:15**
